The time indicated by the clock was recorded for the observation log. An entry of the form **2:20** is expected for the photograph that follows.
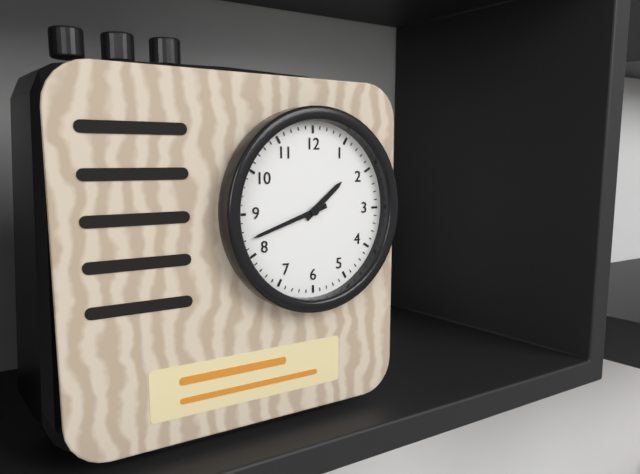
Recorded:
**1:42**
